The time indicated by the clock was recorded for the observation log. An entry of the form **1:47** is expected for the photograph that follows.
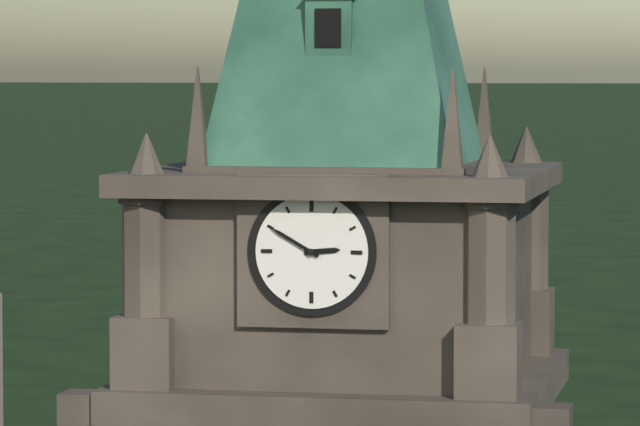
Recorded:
**2:50**
